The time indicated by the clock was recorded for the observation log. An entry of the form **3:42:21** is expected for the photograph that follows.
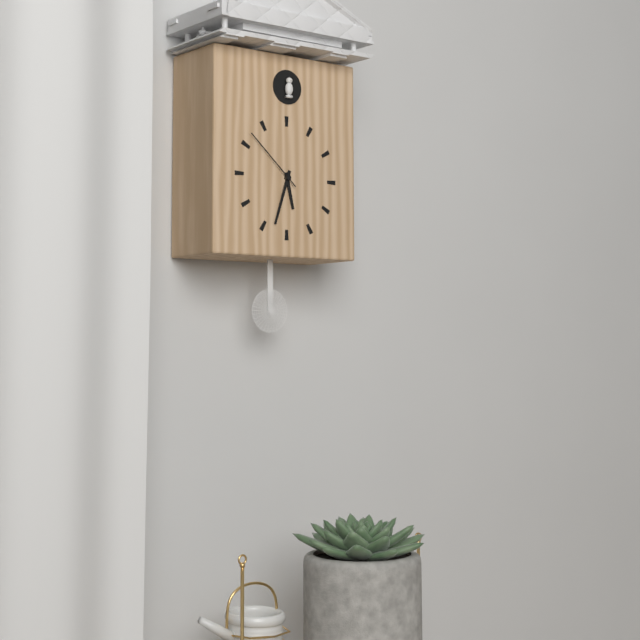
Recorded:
**5:33:52**
